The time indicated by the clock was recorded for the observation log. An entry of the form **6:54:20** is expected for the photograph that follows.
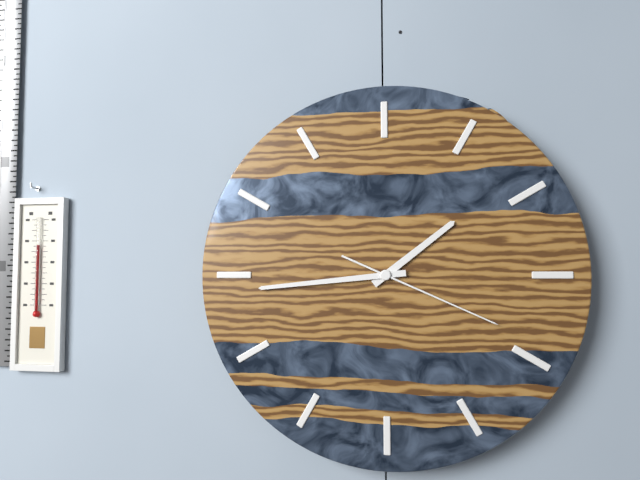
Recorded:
**1:44:19**
